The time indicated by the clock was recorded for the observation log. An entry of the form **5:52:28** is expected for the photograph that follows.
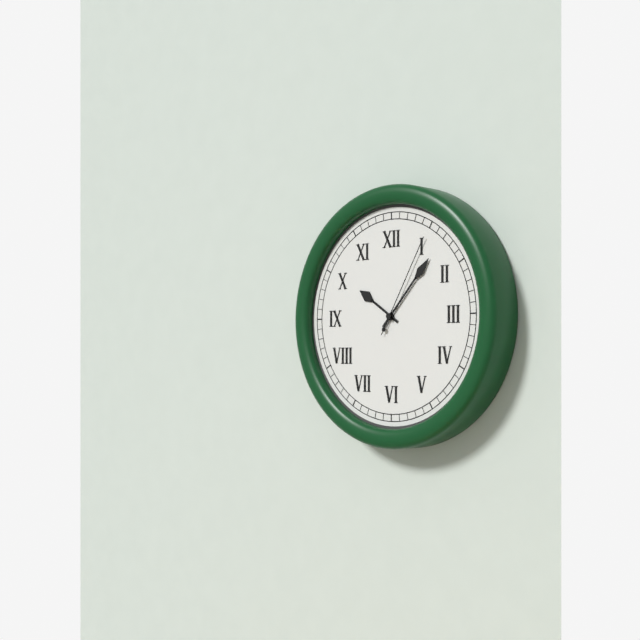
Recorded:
**10:07:05**
